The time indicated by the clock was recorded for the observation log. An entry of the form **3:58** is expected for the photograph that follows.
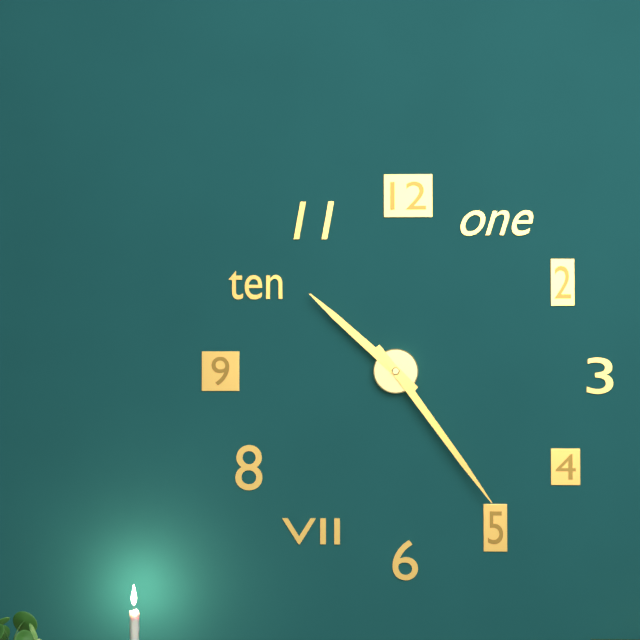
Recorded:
**10:24**
